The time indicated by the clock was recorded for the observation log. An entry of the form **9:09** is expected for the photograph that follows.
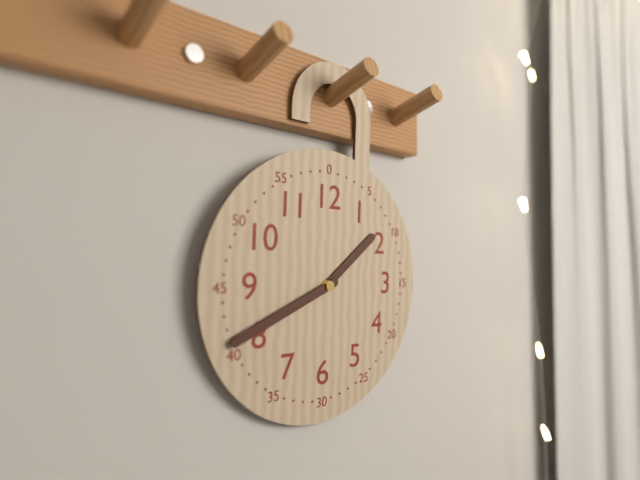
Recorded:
**1:41**
